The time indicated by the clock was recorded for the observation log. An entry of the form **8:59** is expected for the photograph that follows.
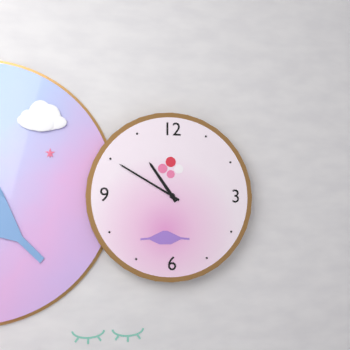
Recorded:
**10:50**
